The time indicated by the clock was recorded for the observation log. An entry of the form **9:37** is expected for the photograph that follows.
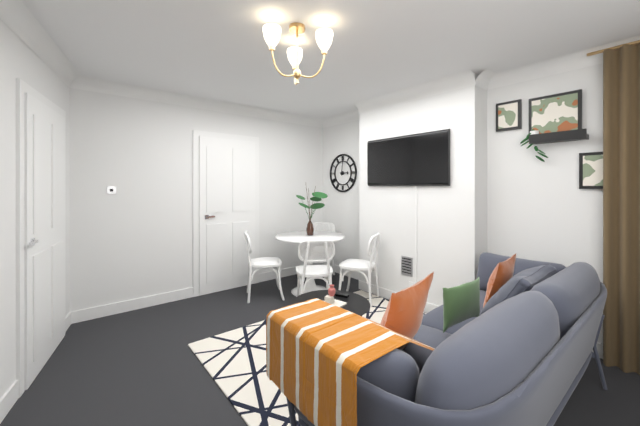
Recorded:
**3:01**
